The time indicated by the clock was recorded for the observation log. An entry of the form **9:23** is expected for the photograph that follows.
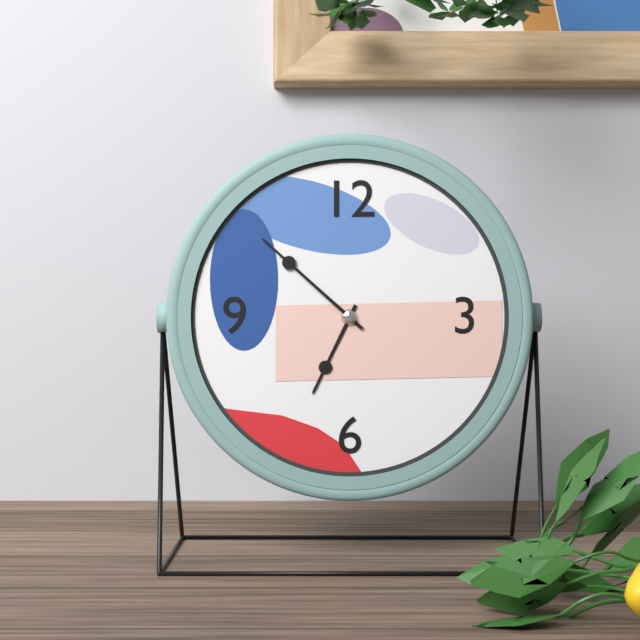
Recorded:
**6:52**
